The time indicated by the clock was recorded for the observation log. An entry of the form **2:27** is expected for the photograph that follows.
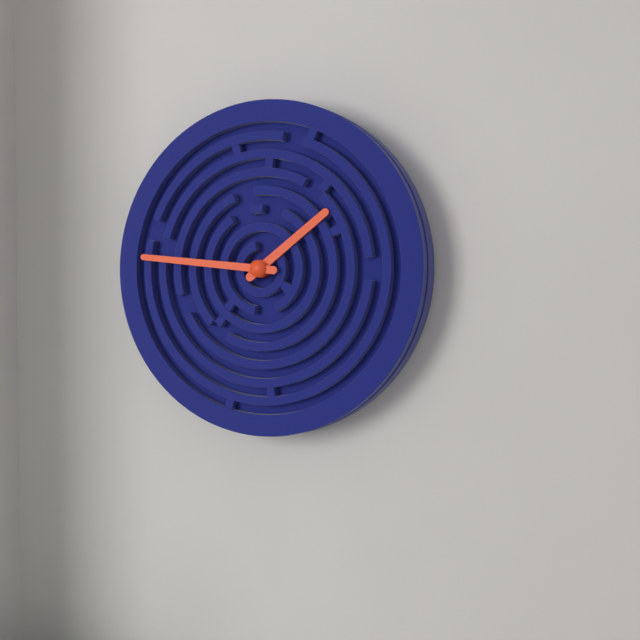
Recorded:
**1:46**
